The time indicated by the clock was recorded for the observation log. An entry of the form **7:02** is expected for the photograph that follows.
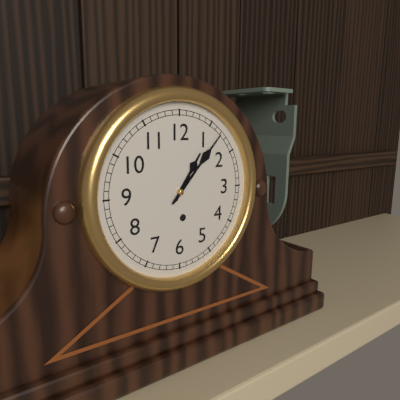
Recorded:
**1:07**
